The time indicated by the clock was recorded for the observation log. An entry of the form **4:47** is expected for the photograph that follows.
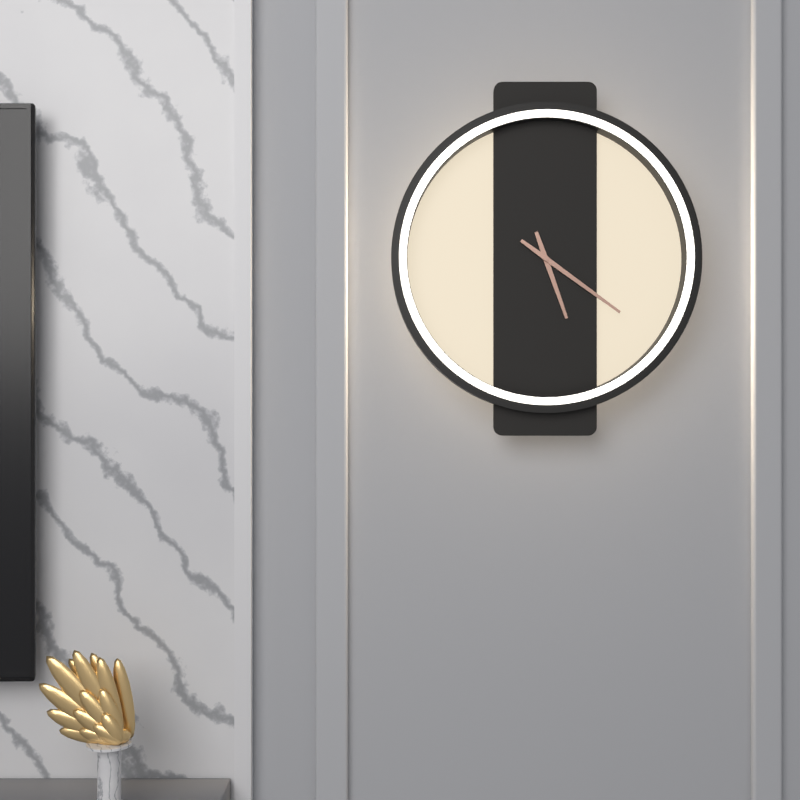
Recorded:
**5:21**
